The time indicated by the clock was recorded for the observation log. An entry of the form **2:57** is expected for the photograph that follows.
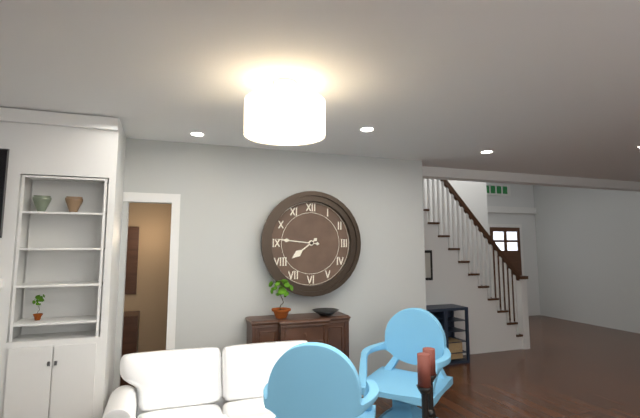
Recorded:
**7:46**
